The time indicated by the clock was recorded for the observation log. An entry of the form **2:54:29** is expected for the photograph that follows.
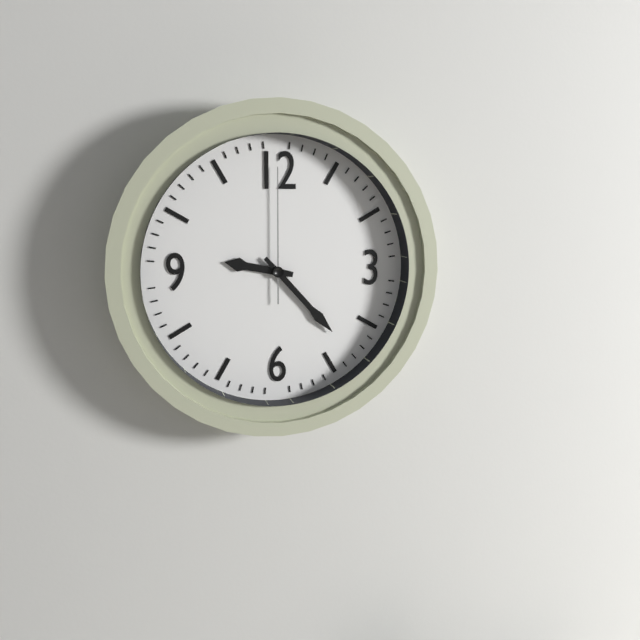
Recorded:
**9:23:00**
